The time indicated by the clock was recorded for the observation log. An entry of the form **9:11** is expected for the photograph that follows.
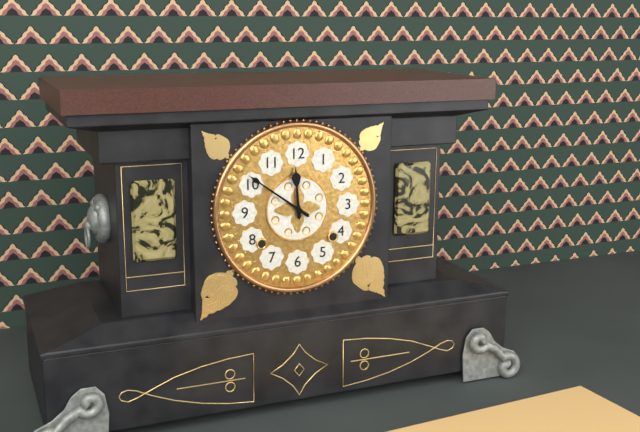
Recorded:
**11:51**
